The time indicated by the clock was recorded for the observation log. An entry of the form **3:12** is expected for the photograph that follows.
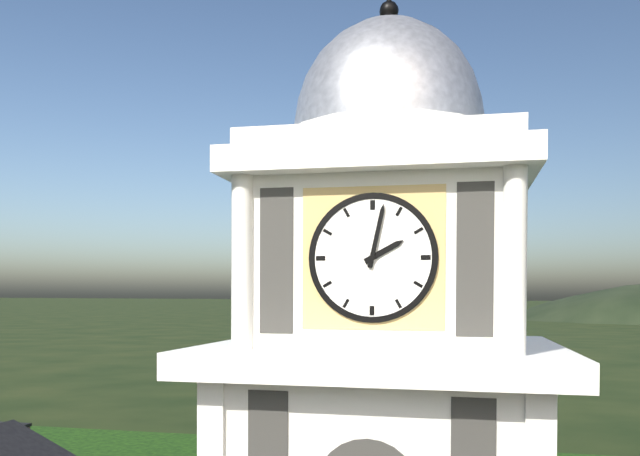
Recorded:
**2:02**
